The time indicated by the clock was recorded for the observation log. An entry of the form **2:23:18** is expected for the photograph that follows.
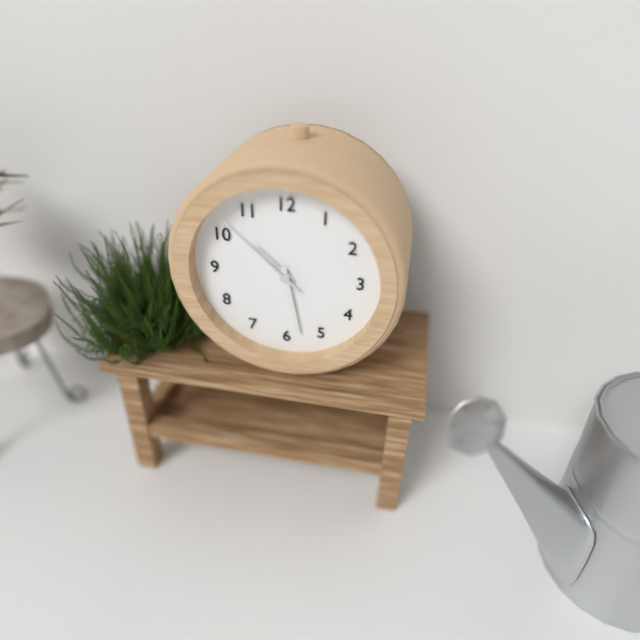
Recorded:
**10:28:52**
